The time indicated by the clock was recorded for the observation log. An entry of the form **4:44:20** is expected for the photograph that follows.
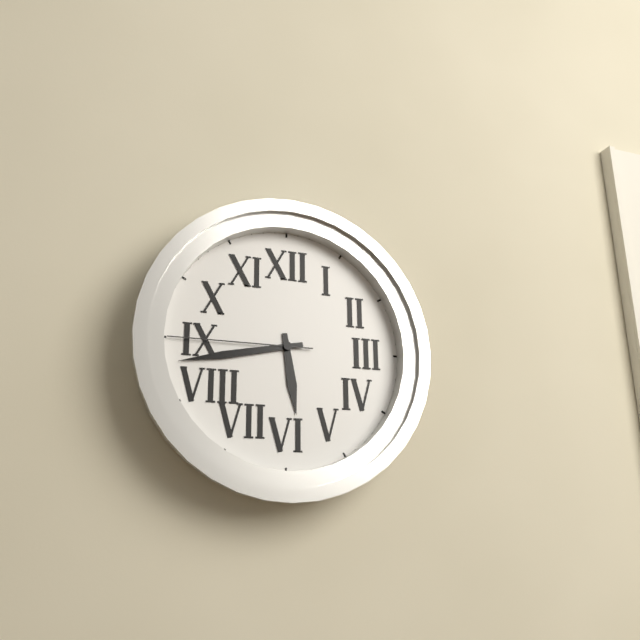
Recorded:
**5:43:45**
